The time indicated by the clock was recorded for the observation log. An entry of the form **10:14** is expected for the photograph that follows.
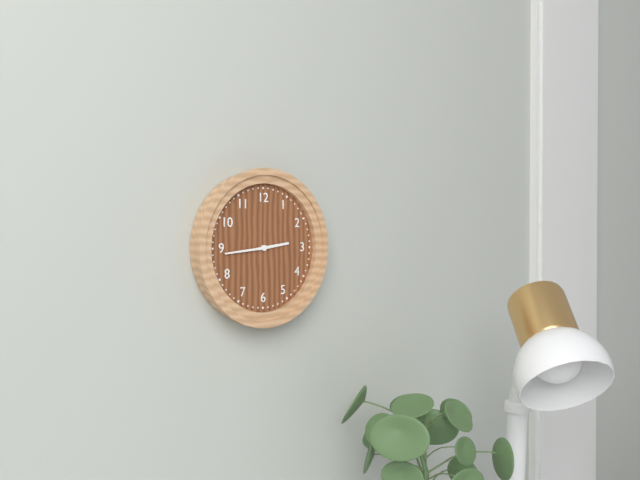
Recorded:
**2:44**
